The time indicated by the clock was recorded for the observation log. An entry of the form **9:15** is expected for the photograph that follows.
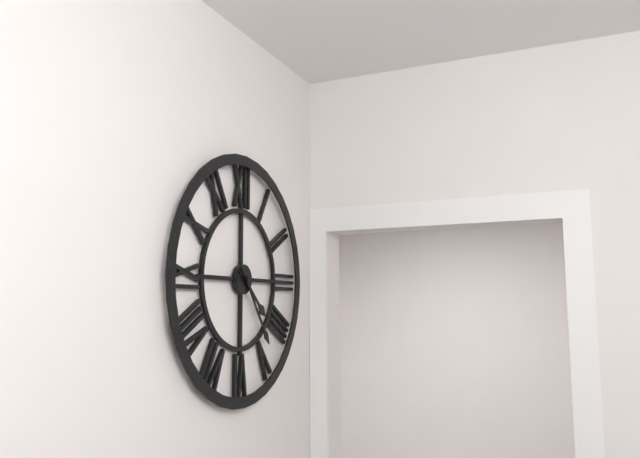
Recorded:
**4:24**
